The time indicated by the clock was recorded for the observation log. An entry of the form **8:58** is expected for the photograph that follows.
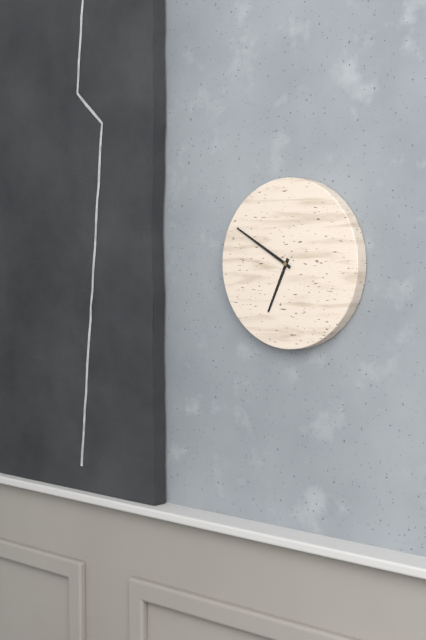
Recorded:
**6:50**
